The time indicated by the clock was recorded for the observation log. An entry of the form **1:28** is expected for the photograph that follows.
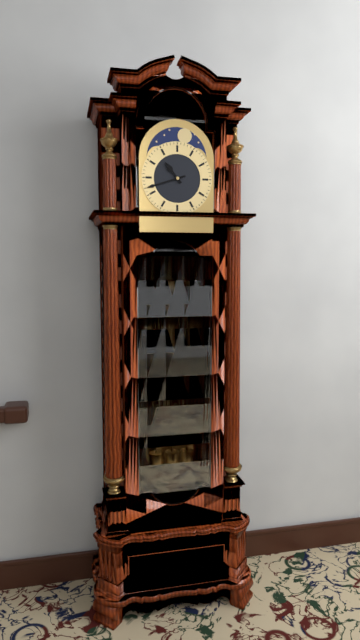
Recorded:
**10:42**
